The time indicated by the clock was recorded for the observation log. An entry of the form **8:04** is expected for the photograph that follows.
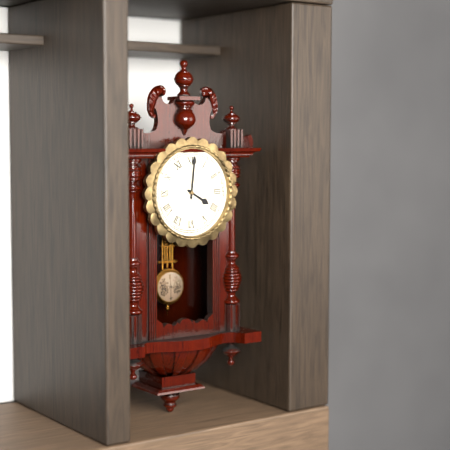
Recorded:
**4:01**
